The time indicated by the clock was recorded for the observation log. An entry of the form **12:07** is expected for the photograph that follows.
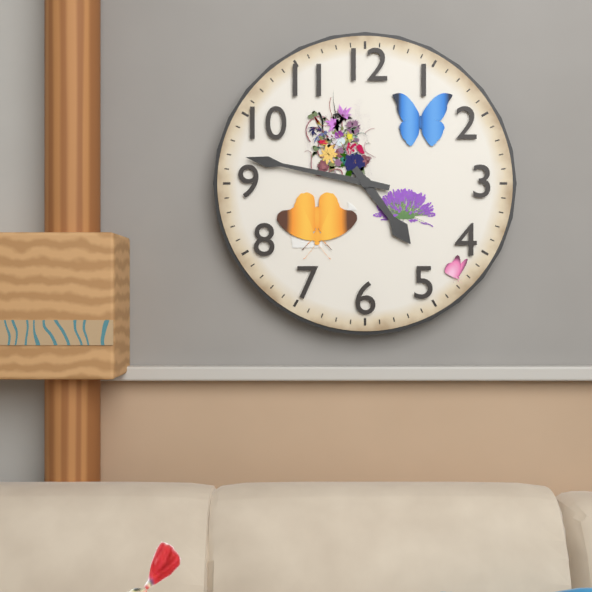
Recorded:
**4:47**
